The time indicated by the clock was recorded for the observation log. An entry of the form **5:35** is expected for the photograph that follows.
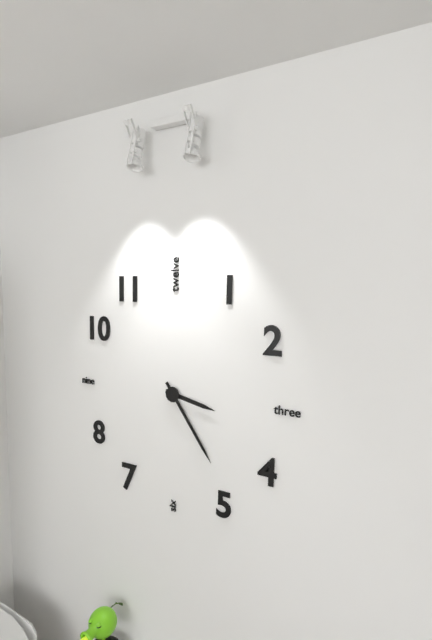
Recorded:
**3:24**
